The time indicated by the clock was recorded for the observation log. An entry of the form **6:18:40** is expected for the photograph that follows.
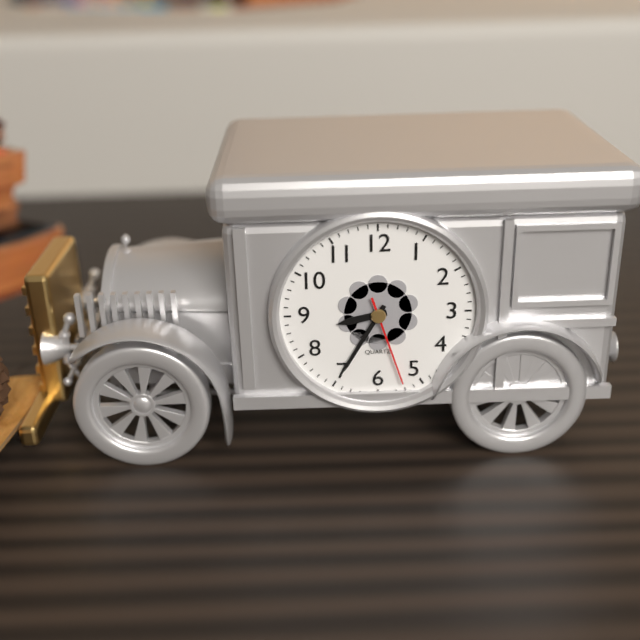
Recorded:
**8:35:27**
